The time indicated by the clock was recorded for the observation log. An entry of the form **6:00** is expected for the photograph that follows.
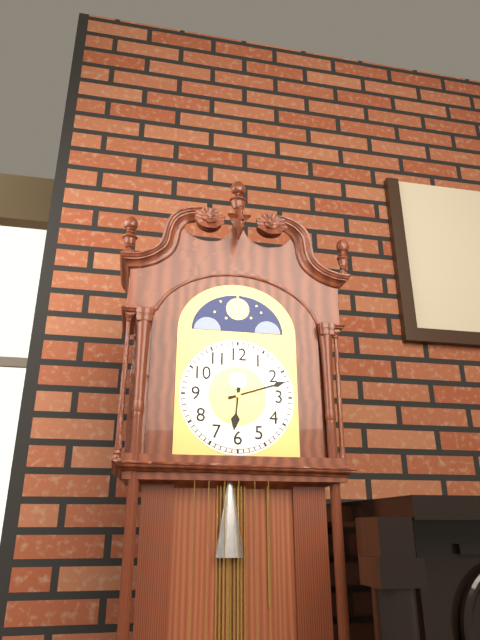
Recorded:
**6:12**
